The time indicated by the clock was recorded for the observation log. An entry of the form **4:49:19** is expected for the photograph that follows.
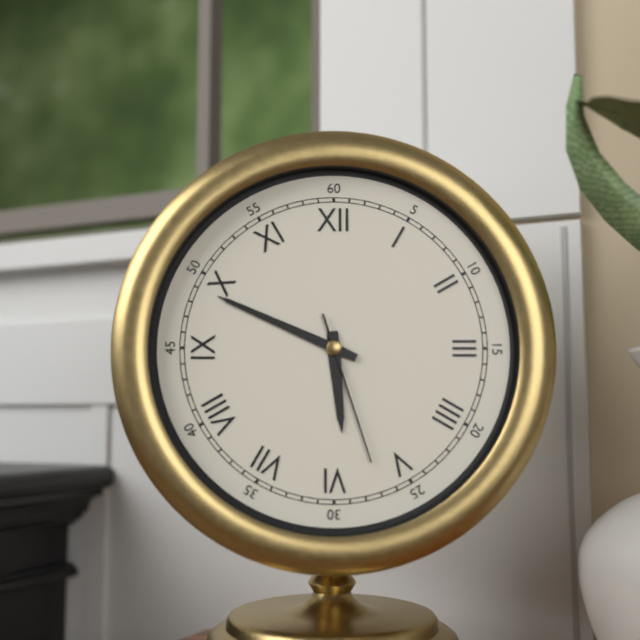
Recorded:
**5:49:27**
